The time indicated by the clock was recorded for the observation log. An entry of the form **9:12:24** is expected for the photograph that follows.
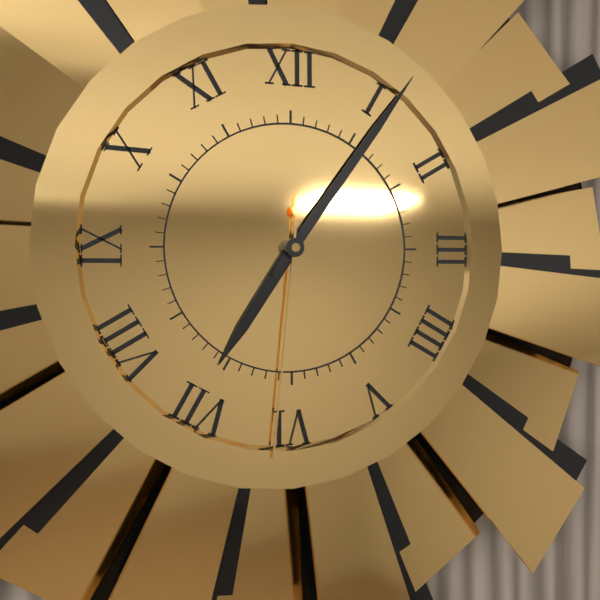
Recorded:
**7:06:31**
